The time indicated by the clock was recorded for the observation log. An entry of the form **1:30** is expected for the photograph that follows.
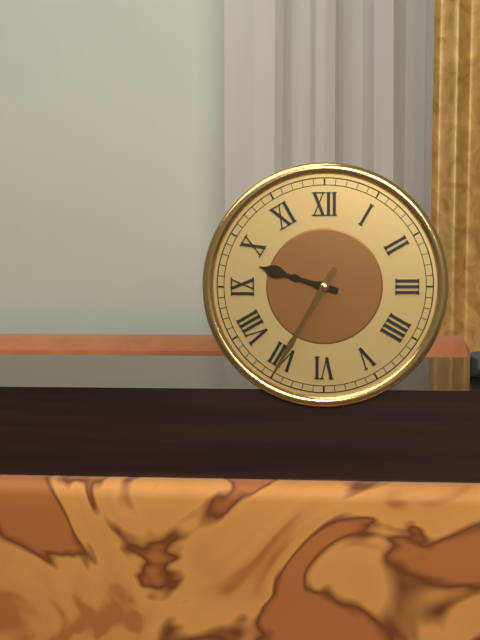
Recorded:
**9:35**
